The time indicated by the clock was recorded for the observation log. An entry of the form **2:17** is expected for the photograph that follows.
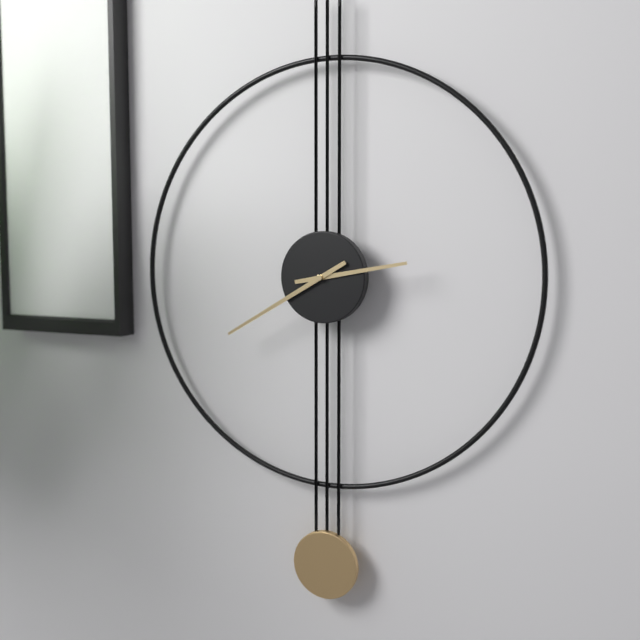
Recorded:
**2:40**
